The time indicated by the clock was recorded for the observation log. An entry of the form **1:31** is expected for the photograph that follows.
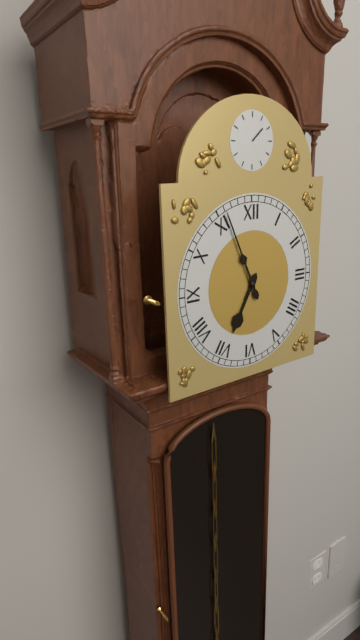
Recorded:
**6:56**
